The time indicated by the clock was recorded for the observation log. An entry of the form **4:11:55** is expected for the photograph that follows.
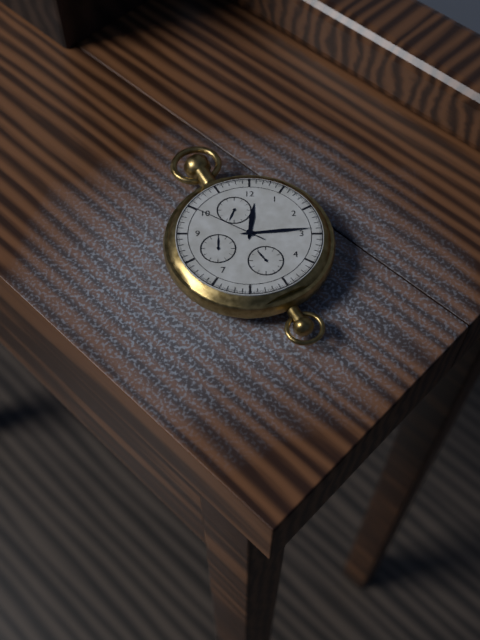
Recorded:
**12:14:50**
